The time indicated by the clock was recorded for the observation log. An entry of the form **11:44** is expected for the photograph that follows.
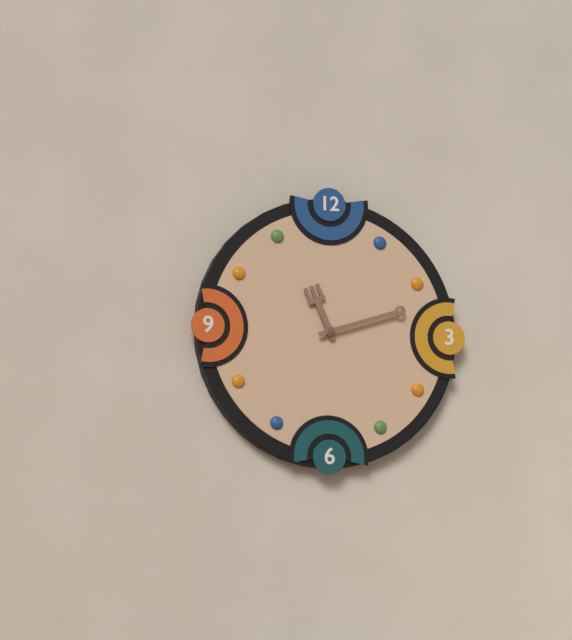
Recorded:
**11:12**
